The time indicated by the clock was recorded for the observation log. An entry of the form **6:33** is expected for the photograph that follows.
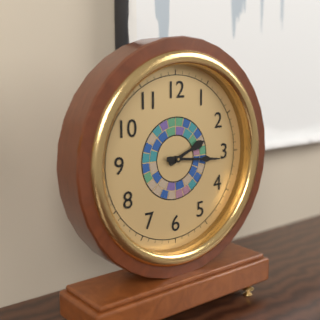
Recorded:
**2:16**
